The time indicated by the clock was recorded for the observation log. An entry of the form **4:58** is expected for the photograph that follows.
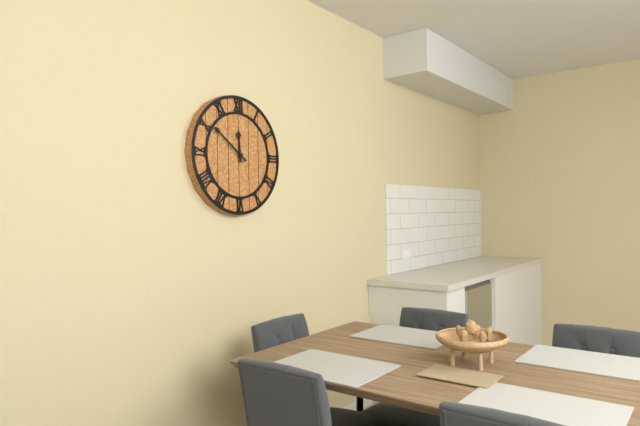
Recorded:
**11:51**
